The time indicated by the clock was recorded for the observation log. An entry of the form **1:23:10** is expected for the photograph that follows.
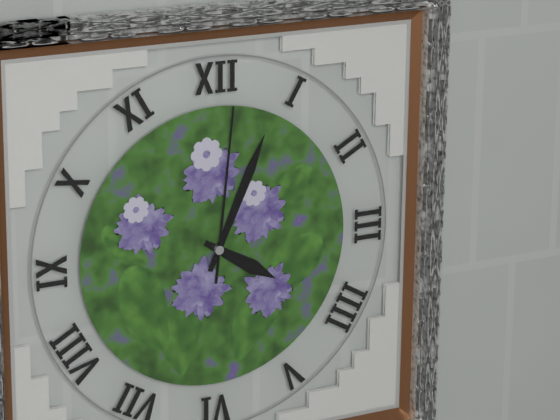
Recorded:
**4:04:01**
